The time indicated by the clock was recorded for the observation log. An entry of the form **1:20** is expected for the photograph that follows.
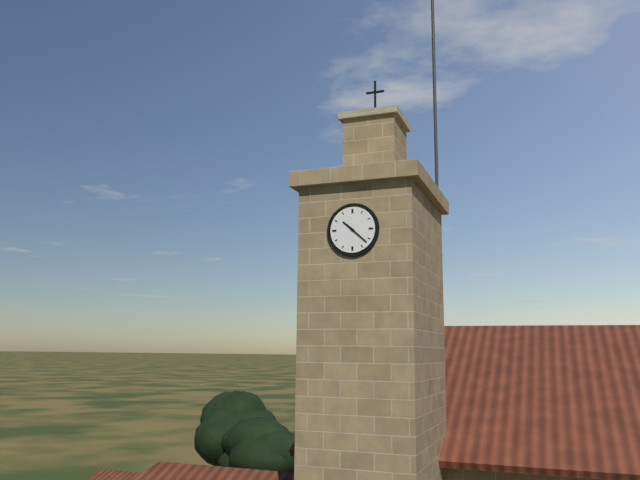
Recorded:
**10:22**
